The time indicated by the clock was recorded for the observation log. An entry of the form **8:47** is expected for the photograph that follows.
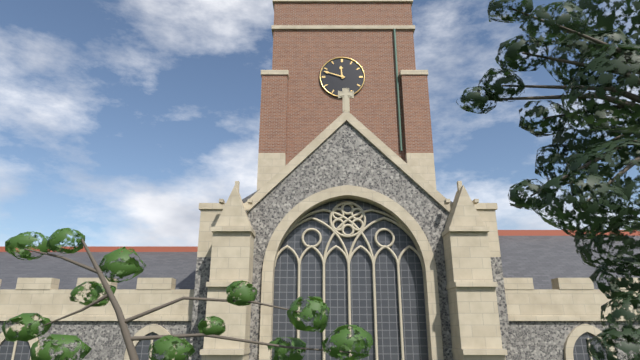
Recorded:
**11:48**
